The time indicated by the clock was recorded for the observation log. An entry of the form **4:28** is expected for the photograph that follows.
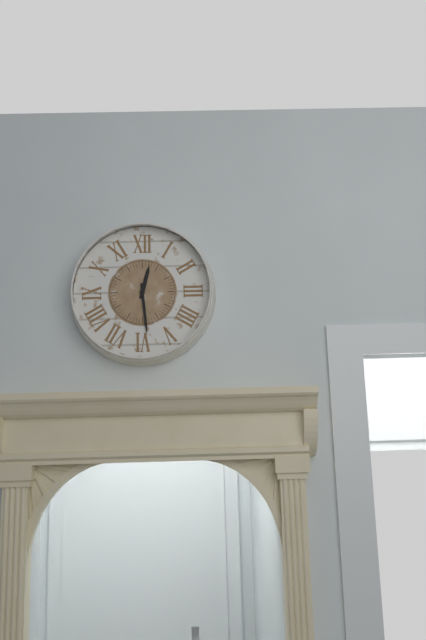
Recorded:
**12:29**
